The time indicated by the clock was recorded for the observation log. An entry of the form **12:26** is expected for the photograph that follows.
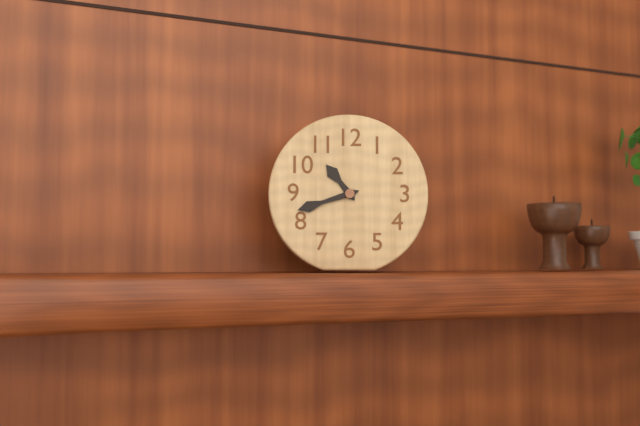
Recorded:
**10:42**
